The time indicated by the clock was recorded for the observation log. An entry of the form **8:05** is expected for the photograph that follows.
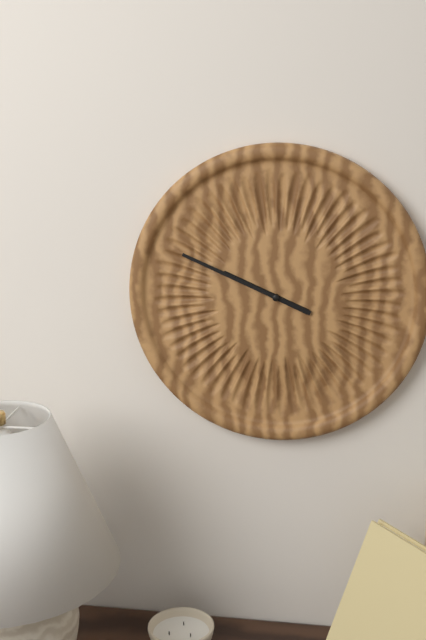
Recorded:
**9:49**
